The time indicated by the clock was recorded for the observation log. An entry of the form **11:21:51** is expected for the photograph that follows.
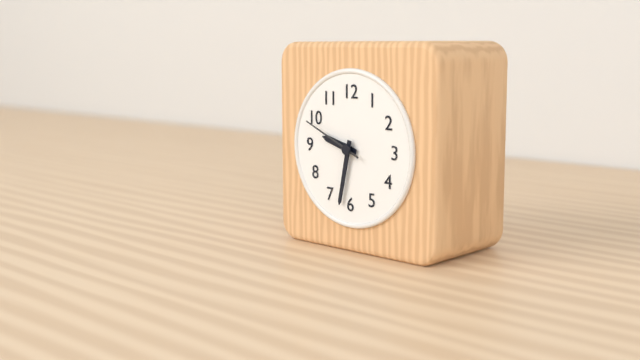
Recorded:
**9:32:49**
